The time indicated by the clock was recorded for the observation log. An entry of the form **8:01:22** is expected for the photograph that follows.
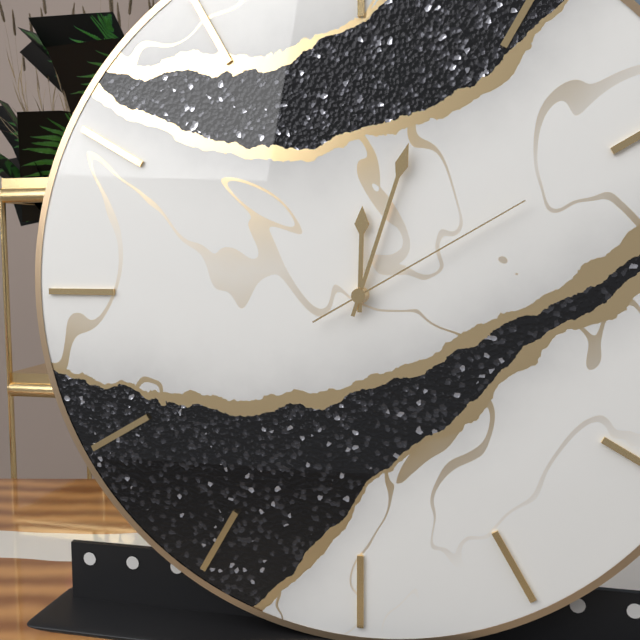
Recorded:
**12:03:10**
